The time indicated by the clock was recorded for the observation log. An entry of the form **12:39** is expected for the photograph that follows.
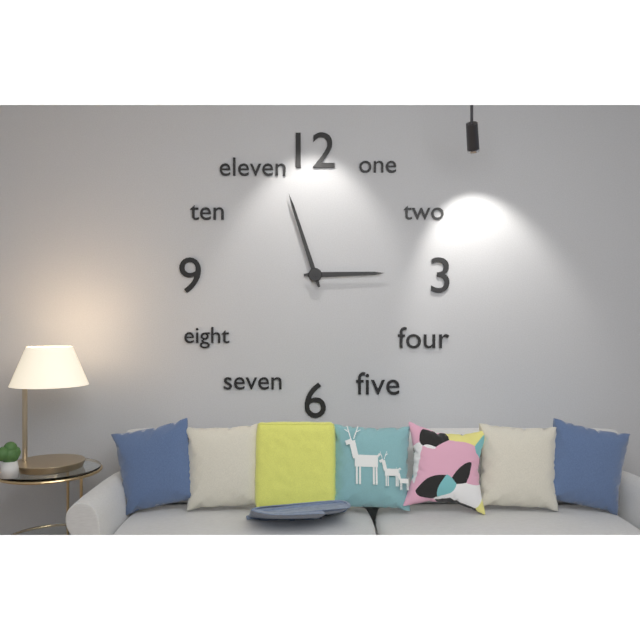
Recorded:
**2:57**
